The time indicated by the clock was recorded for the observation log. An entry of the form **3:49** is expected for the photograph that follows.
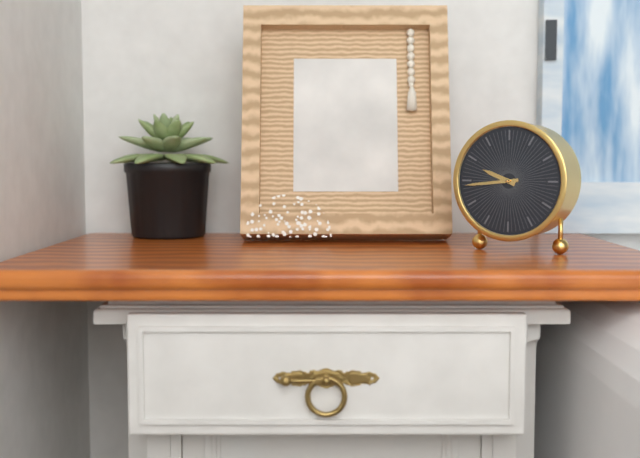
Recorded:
**9:44**
